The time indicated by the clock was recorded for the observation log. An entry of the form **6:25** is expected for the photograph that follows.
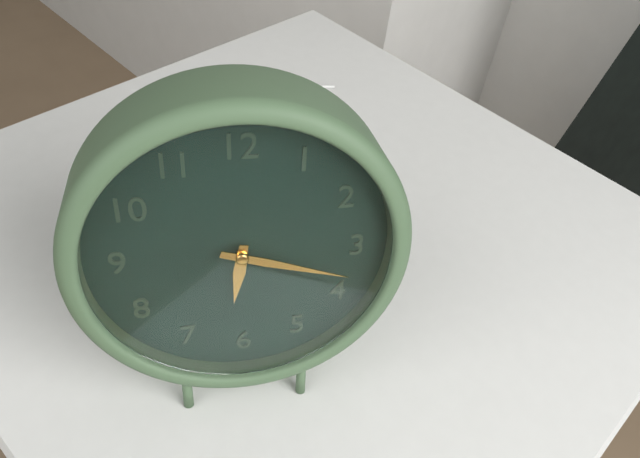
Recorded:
**6:18**
